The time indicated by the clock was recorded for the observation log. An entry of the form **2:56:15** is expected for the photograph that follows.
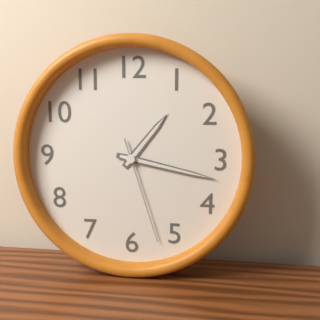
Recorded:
**1:17:27**
